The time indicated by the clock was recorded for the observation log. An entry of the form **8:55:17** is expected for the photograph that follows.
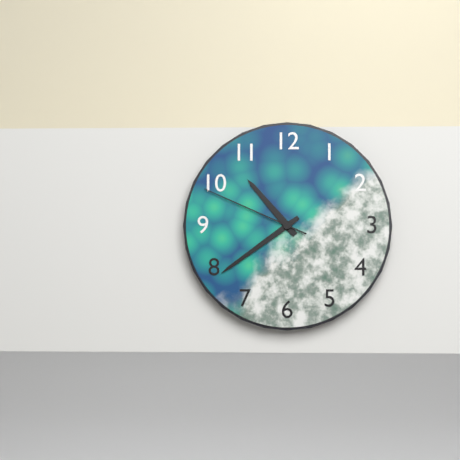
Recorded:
**10:39:49**
